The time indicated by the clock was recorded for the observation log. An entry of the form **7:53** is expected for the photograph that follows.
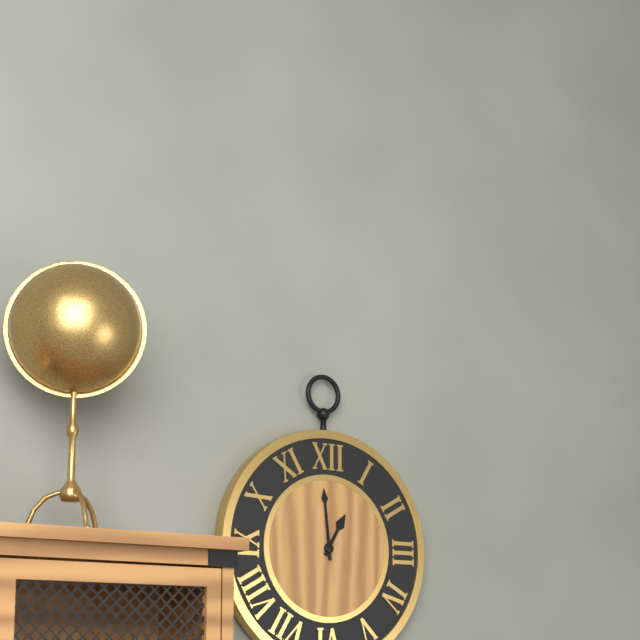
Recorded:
**12:59**
